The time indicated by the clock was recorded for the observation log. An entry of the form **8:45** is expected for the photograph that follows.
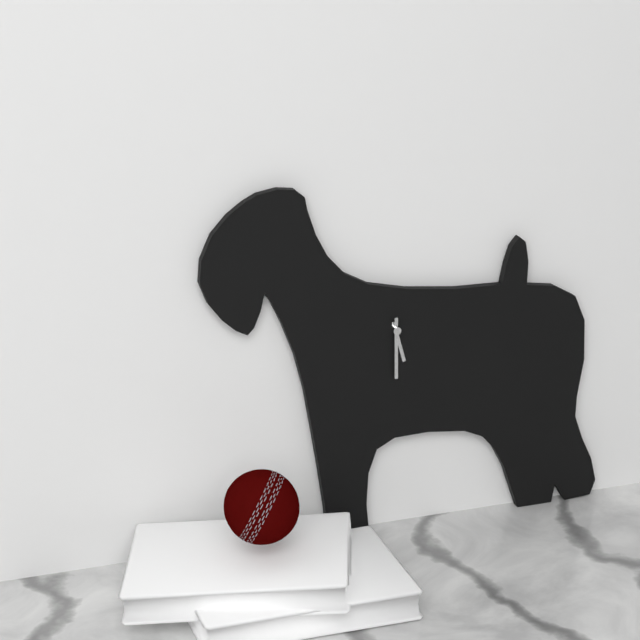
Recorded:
**5:30**
